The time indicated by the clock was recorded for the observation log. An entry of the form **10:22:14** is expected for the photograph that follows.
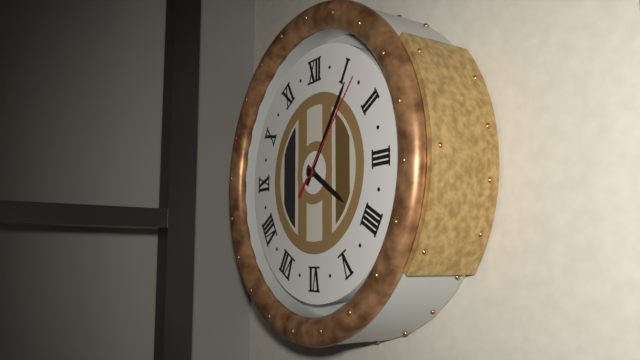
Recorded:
**4:06:07**
